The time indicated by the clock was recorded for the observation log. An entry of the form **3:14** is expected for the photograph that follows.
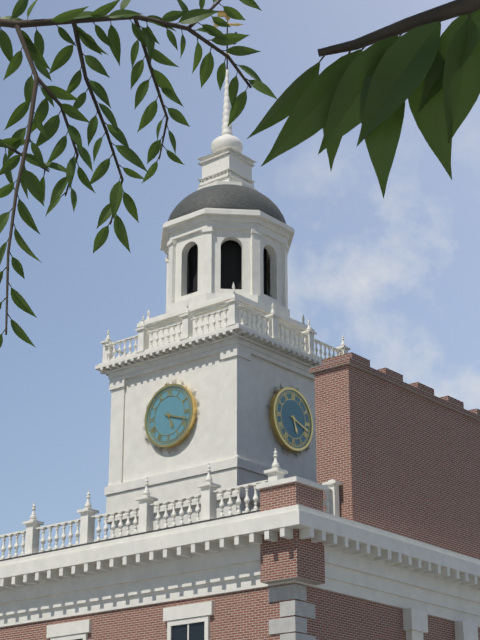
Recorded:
**5:18**
